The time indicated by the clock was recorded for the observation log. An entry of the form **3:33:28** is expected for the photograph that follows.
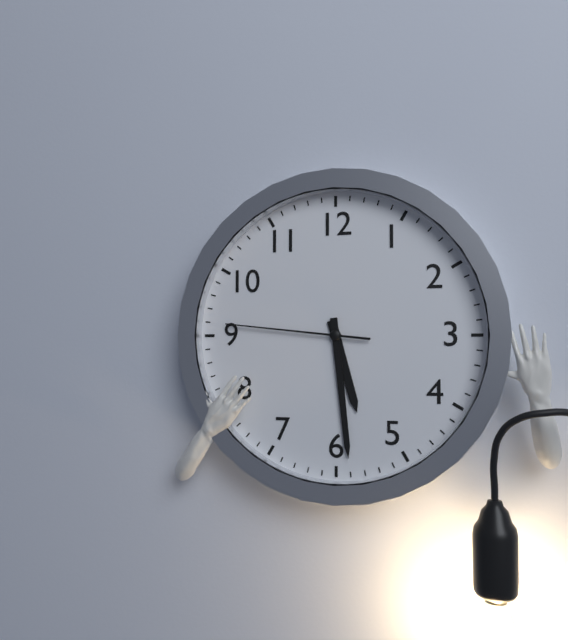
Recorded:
**5:29:46**
